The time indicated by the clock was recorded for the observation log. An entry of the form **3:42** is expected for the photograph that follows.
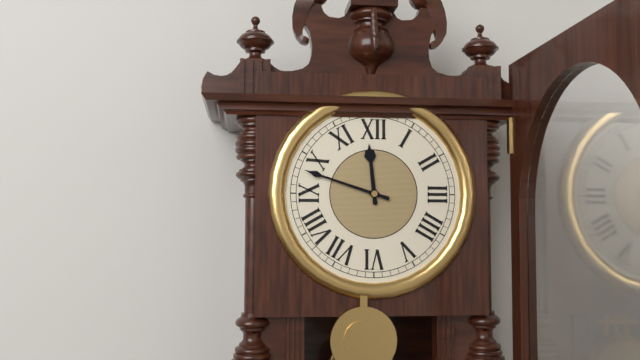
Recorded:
**11:48**
